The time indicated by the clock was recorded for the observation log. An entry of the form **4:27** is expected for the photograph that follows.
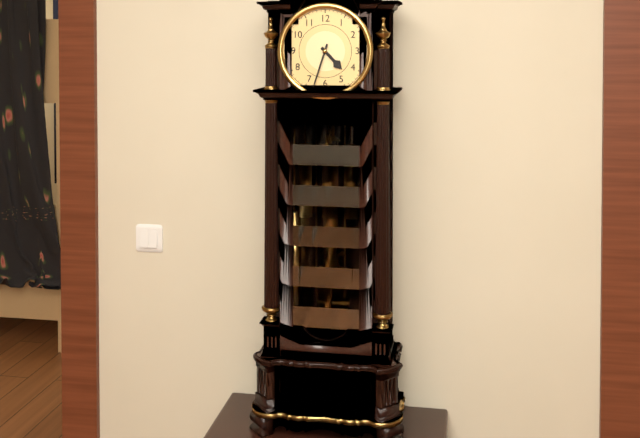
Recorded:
**4:33**
